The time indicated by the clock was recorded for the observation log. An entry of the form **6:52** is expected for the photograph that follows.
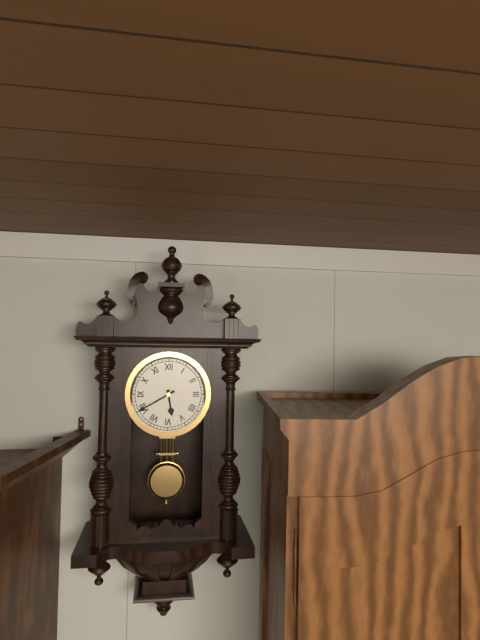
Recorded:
**5:40**
